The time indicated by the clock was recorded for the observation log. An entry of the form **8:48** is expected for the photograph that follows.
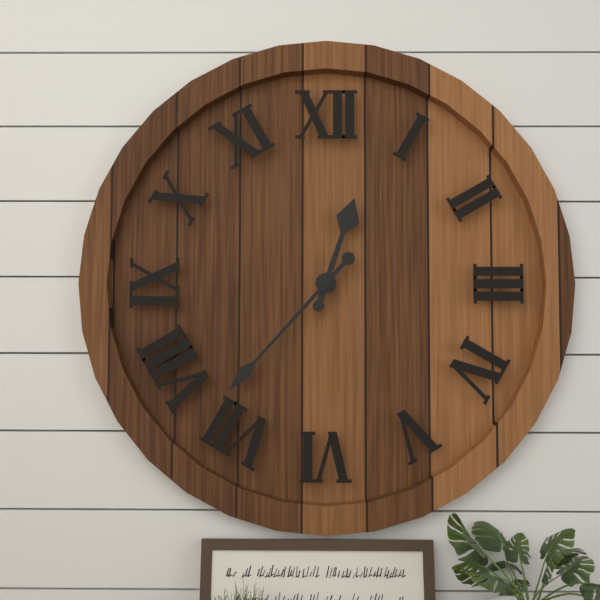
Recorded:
**12:37**
